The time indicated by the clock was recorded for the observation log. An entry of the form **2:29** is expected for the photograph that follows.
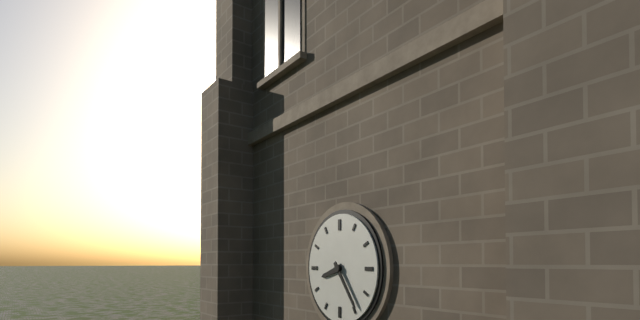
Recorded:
**8:24**
